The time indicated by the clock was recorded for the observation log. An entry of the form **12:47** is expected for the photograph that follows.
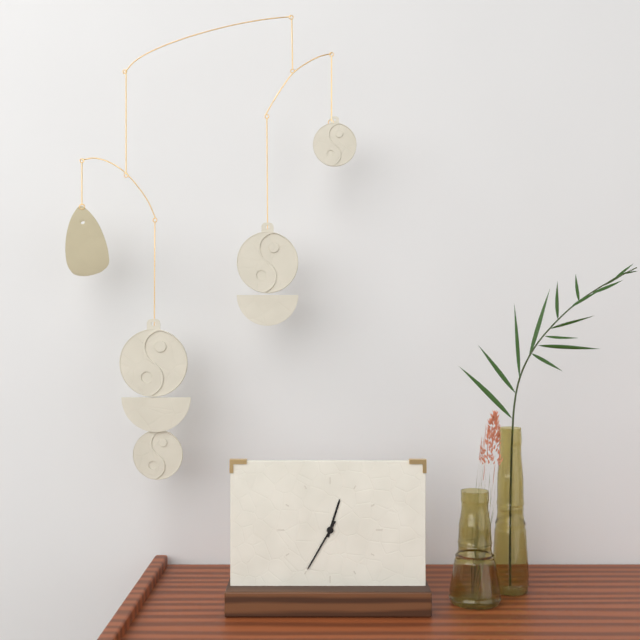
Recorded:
**12:35**
